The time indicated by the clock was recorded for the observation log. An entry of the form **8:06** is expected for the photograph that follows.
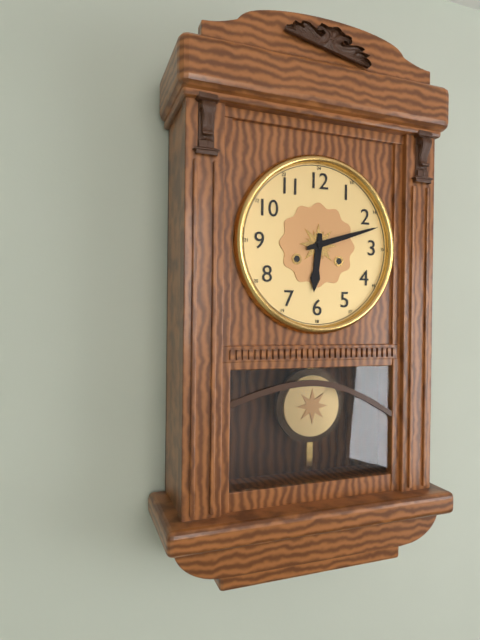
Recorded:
**6:12**
